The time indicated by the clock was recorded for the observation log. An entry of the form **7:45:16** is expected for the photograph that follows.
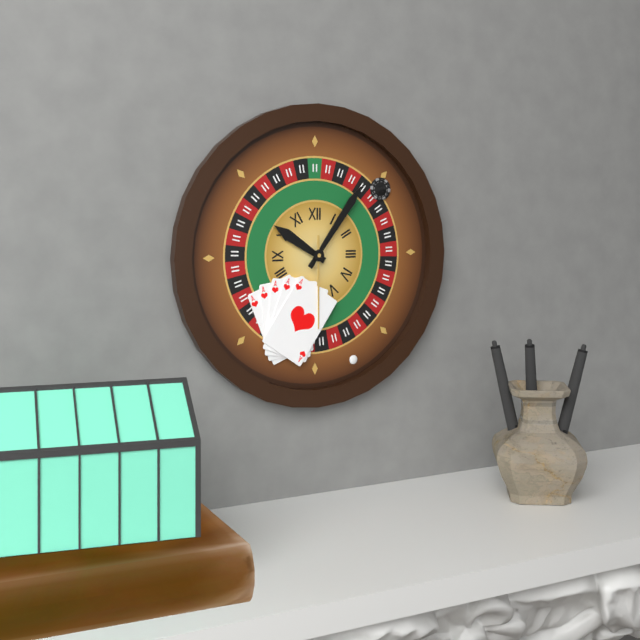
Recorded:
**10:06:30**
